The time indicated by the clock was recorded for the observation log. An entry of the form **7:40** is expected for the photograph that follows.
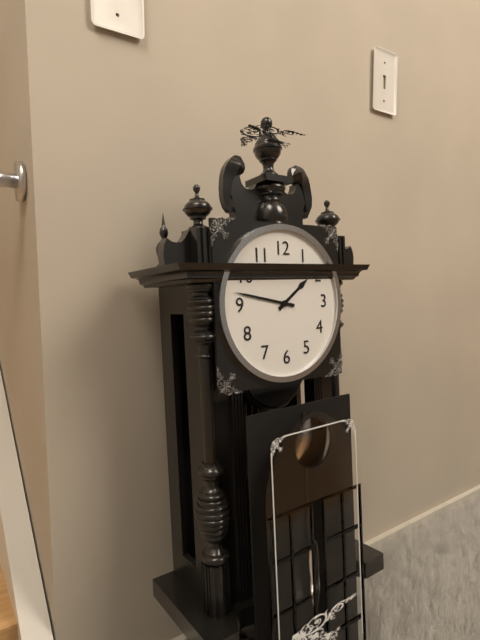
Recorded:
**1:47**
